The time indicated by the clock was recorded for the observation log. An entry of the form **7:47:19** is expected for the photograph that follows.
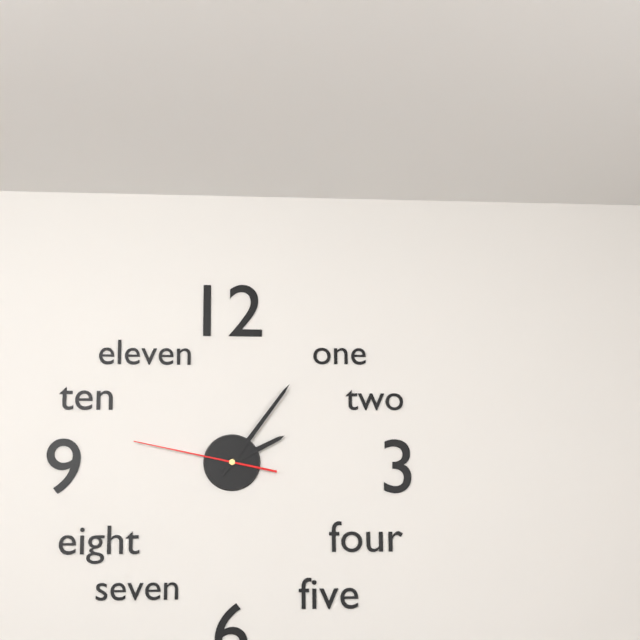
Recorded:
**2:06:47**
